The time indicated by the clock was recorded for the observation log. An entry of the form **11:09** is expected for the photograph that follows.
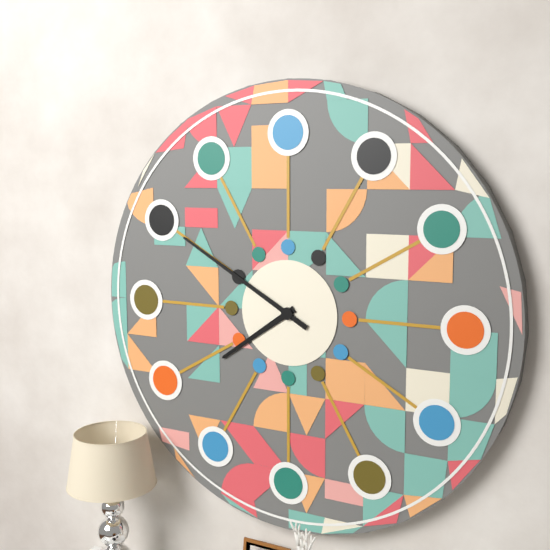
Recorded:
**7:50**
